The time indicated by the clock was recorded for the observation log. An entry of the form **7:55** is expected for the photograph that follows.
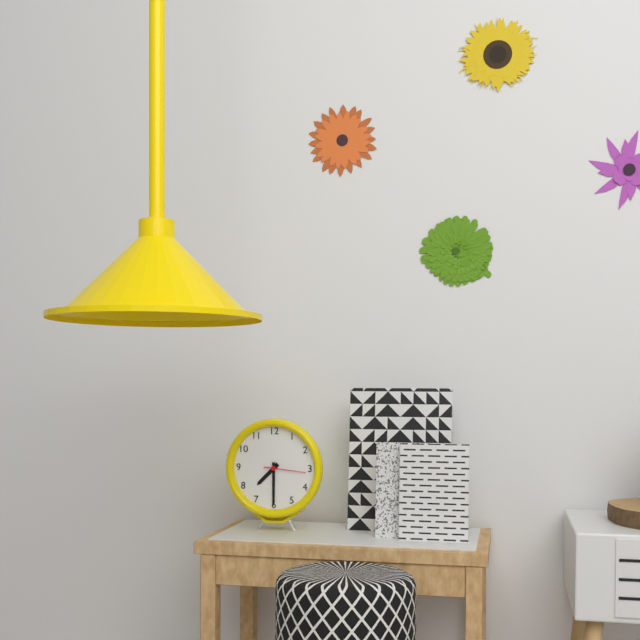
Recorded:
**7:30**
